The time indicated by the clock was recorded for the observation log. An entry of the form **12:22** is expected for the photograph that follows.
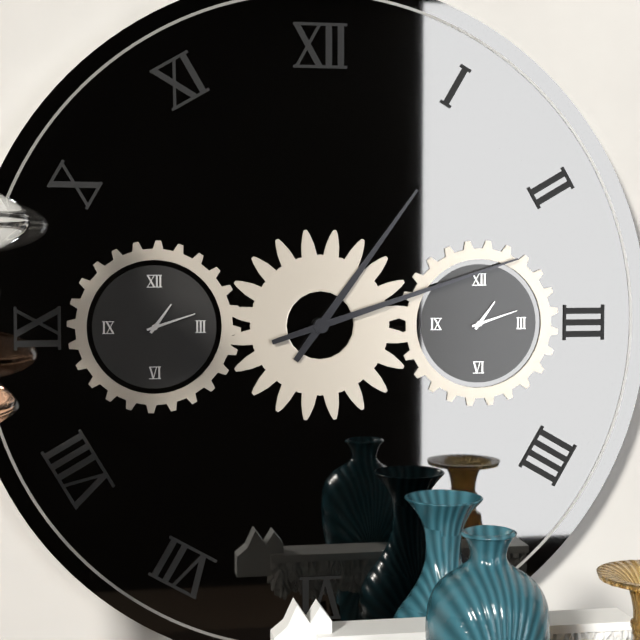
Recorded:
**1:12**
